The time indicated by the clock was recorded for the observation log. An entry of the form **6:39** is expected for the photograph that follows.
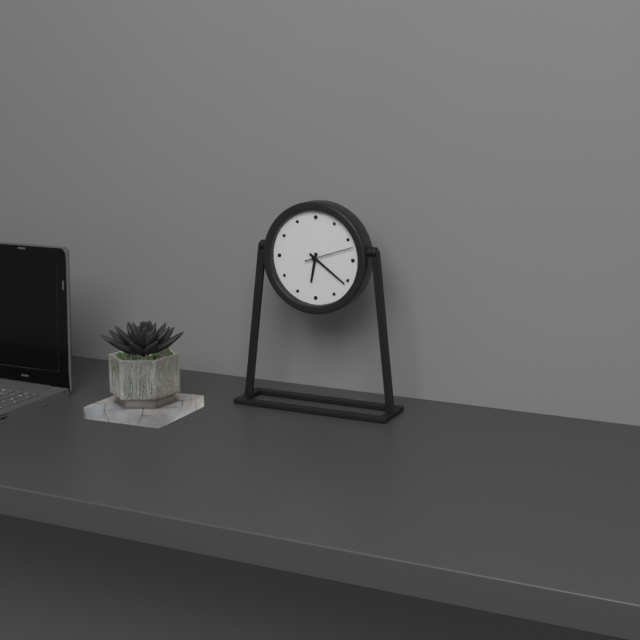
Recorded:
**6:21**
